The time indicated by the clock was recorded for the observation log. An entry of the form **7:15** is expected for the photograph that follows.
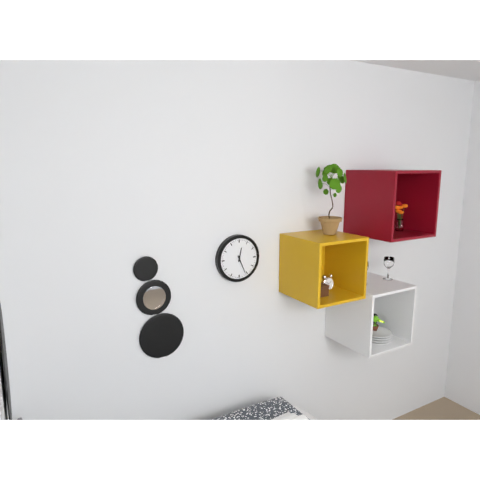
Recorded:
**12:26**
